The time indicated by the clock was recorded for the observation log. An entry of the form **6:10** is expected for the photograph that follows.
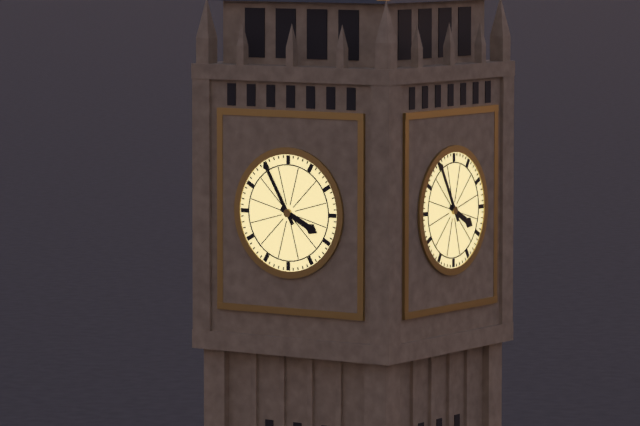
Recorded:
**3:55**
